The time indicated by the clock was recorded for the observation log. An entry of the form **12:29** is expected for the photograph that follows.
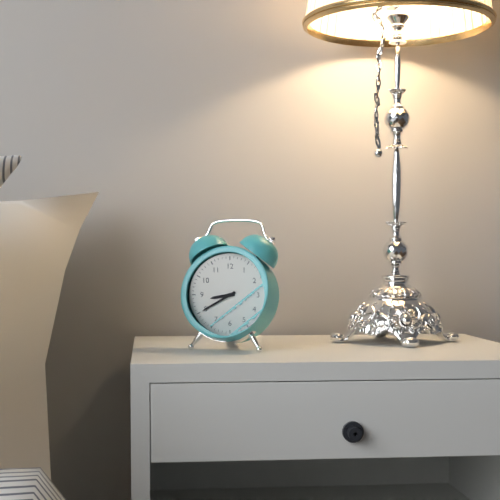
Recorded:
**8:40**
